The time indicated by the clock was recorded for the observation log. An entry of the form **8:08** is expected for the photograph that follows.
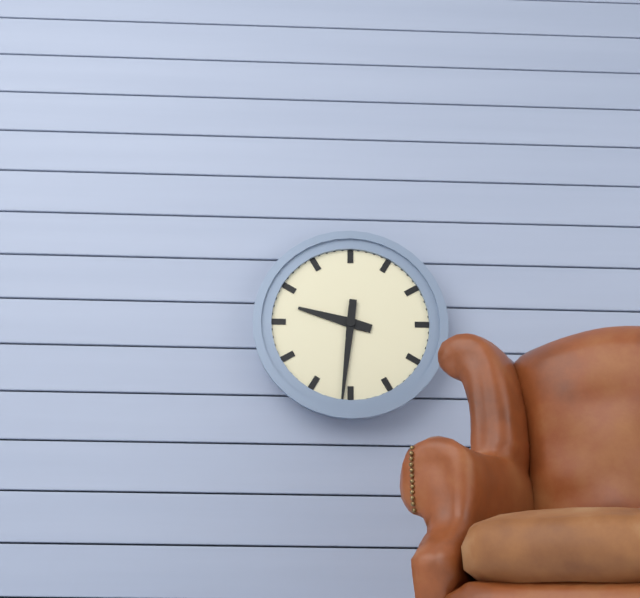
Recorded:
**9:31**
